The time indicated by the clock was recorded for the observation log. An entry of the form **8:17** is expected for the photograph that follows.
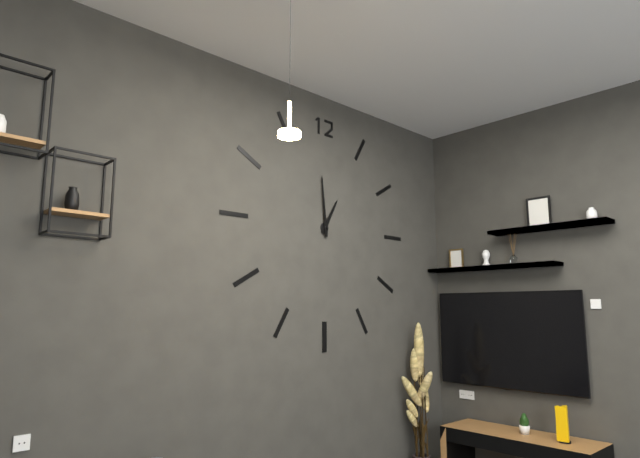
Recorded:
**12:59**
